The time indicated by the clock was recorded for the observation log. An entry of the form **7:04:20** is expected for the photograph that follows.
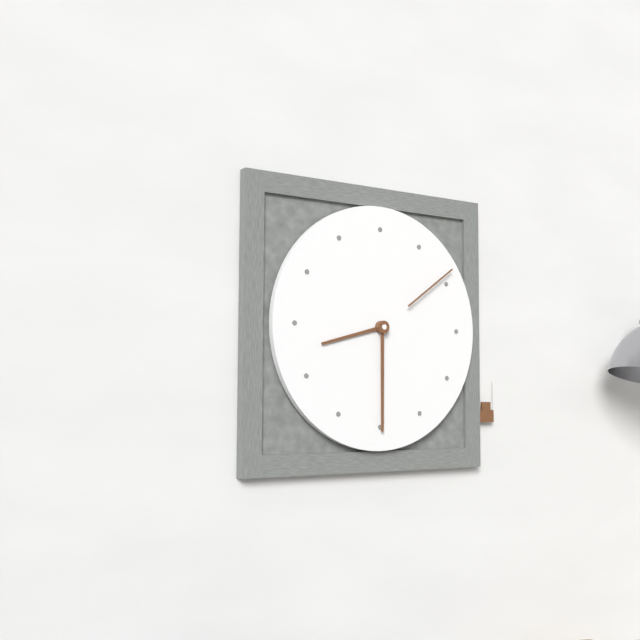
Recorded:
**8:30:09**
